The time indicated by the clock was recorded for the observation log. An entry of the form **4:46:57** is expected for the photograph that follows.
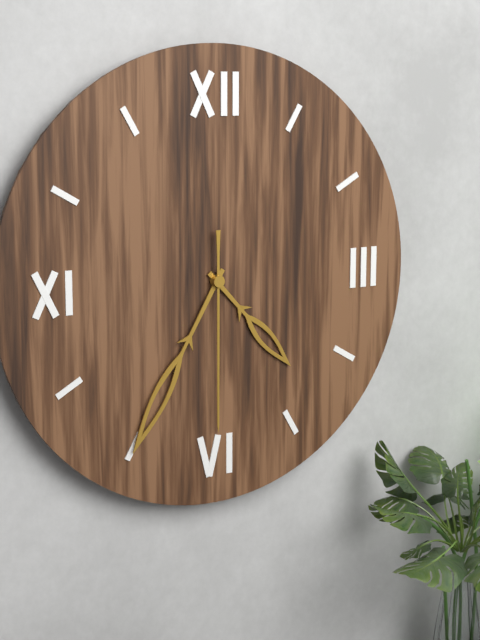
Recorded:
**4:35:30**
